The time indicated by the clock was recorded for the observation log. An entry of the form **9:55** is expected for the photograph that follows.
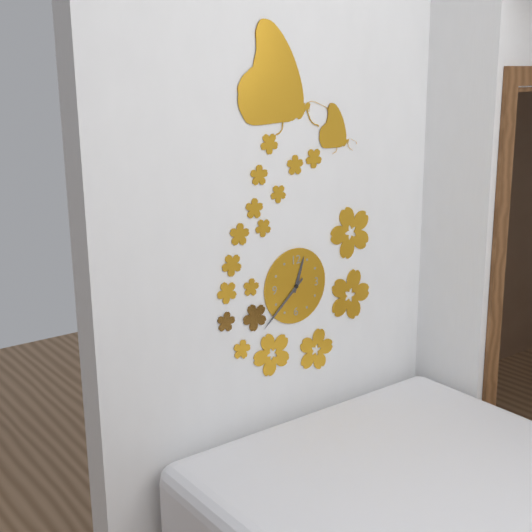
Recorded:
**12:38**
